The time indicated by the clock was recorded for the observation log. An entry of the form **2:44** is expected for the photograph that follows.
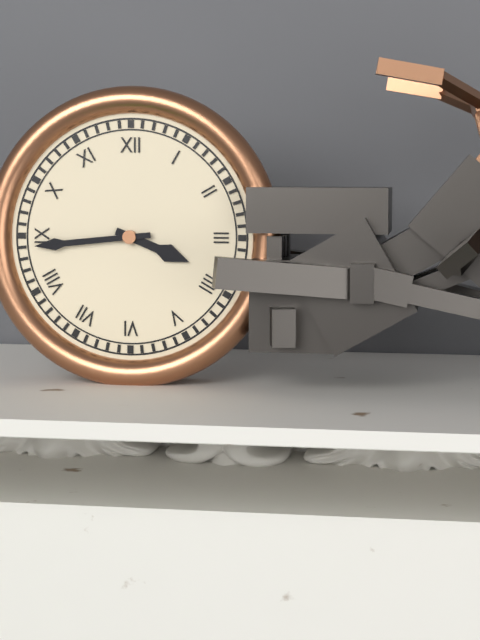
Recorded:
**3:44**
